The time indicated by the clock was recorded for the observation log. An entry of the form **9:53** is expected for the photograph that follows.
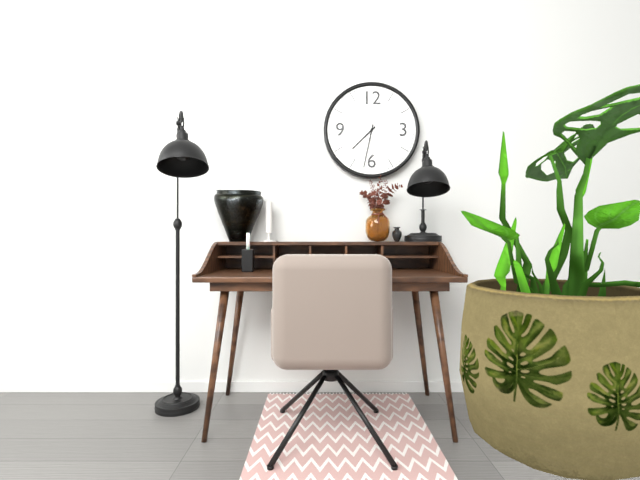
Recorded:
**7:32**
